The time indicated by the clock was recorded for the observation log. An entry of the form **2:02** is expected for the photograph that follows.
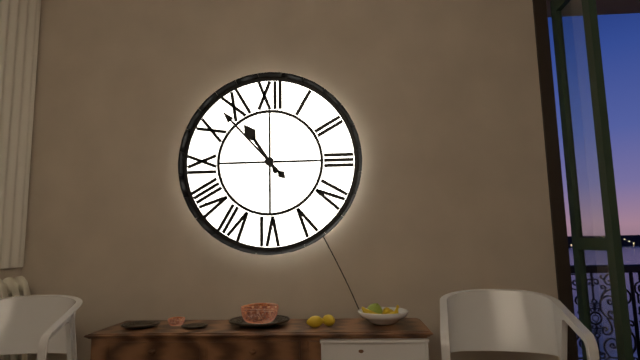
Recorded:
**10:53**
